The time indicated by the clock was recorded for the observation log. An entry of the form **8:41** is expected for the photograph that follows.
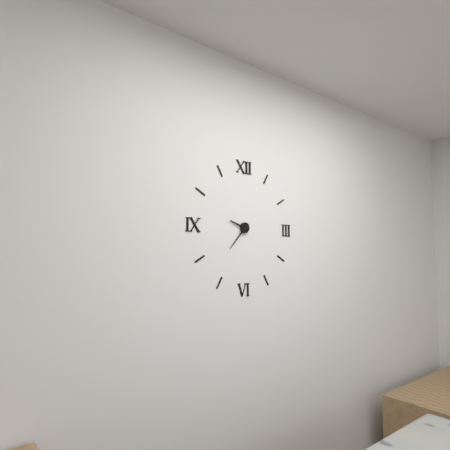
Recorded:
**9:37**
